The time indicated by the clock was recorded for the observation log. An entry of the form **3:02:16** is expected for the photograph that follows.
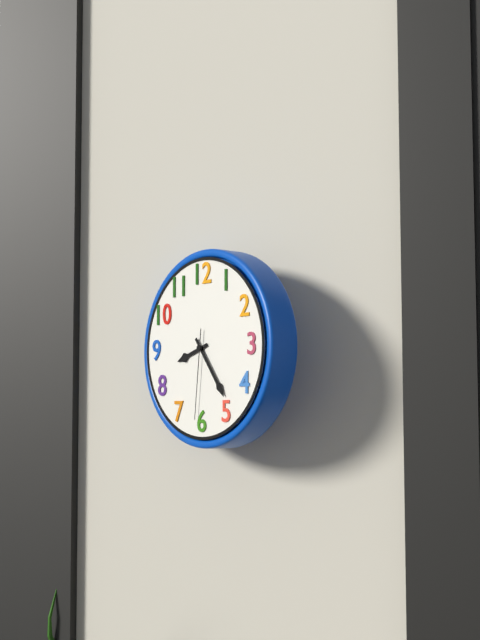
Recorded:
**8:24:31**
